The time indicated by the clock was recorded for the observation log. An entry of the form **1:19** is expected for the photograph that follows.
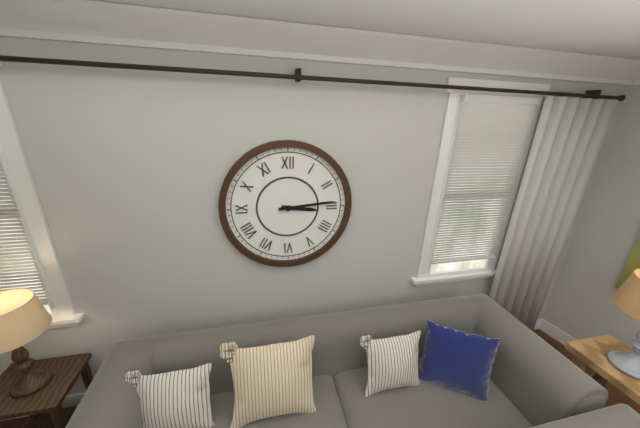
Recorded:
**3:14**
